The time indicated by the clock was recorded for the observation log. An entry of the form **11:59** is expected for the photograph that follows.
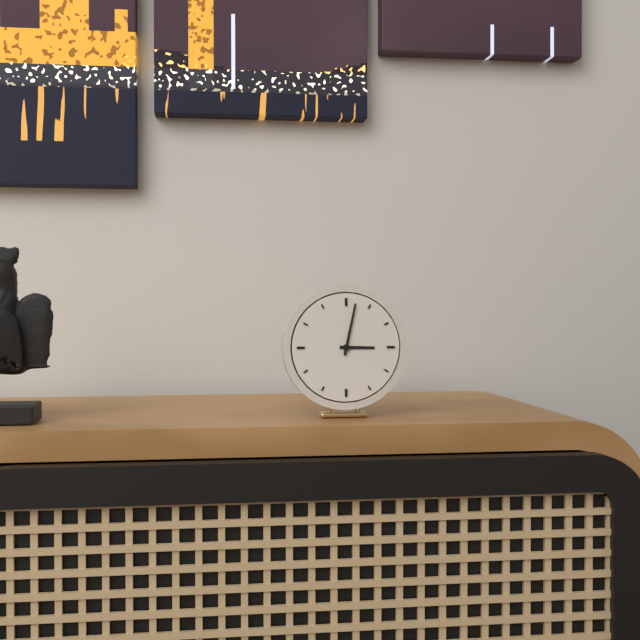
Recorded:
**3:02**
